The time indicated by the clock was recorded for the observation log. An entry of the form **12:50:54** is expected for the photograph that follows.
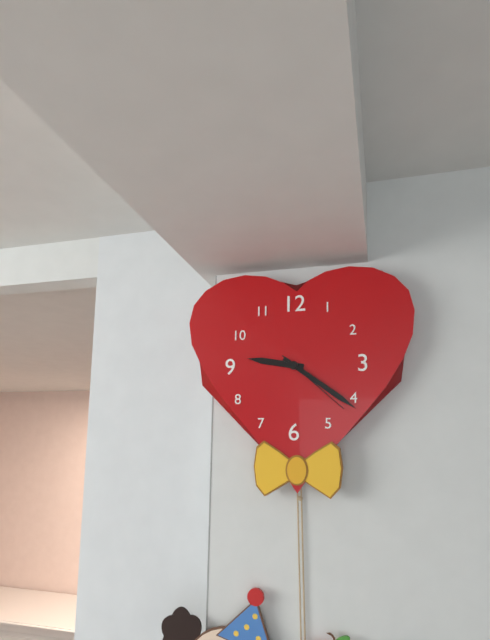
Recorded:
**9:21:22**
